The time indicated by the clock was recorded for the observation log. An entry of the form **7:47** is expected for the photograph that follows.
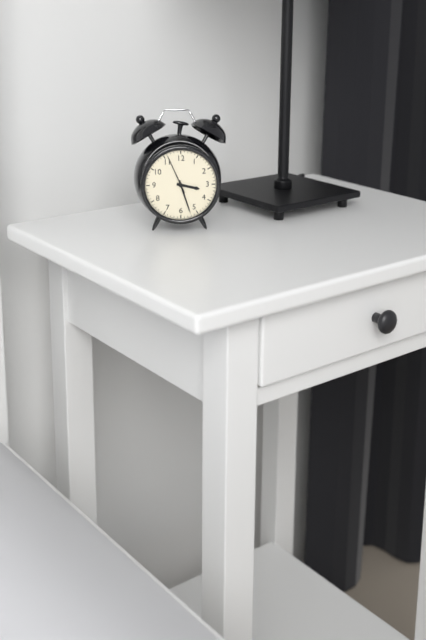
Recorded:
**3:27**
